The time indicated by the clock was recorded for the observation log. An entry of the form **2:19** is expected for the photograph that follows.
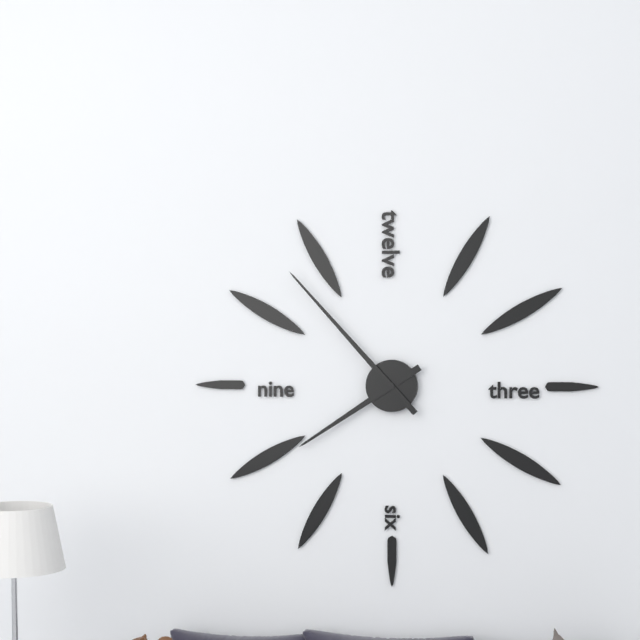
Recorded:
**7:53**
